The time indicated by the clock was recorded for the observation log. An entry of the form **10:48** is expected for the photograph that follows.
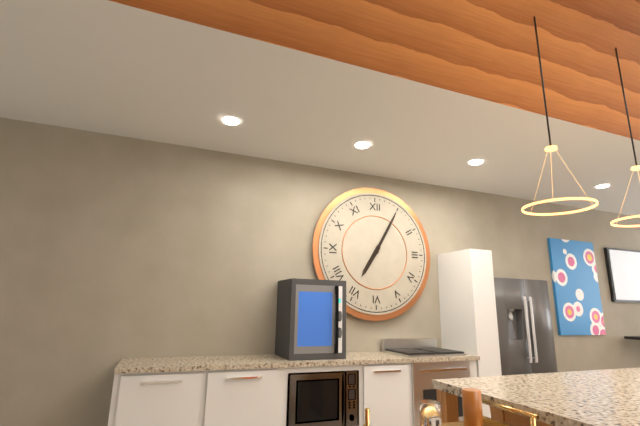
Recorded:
**7:05**
